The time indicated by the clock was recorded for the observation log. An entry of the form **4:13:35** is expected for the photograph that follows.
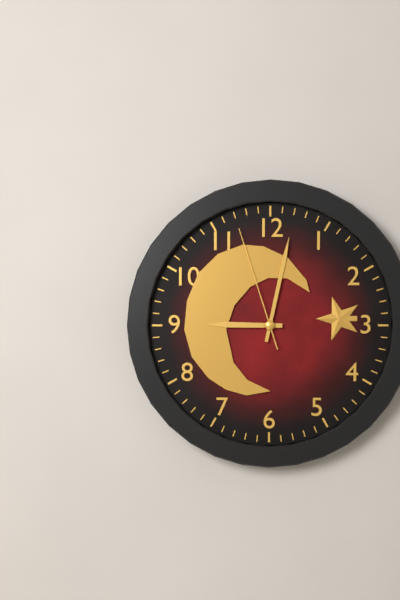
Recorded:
**9:02:57**
